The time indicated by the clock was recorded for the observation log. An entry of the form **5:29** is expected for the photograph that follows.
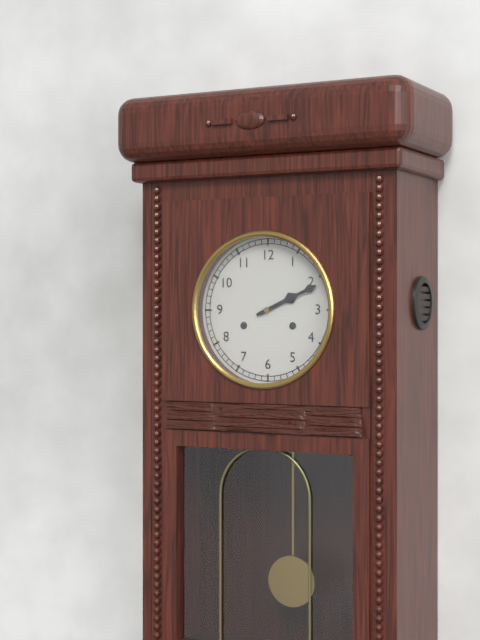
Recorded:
**2:11**
